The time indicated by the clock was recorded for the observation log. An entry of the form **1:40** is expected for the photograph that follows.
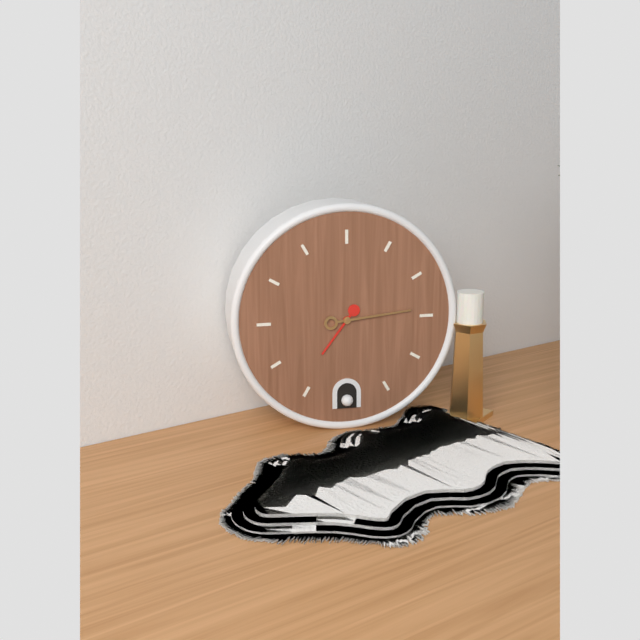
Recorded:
**7:14**
